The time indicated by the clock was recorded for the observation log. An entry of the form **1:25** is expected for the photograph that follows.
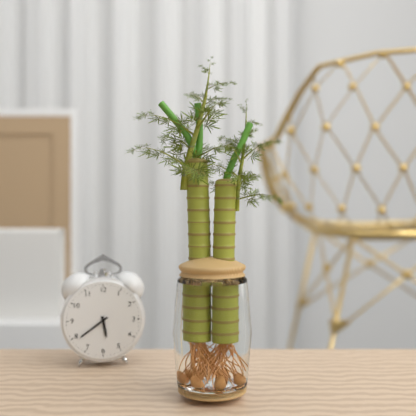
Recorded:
**5:39**
